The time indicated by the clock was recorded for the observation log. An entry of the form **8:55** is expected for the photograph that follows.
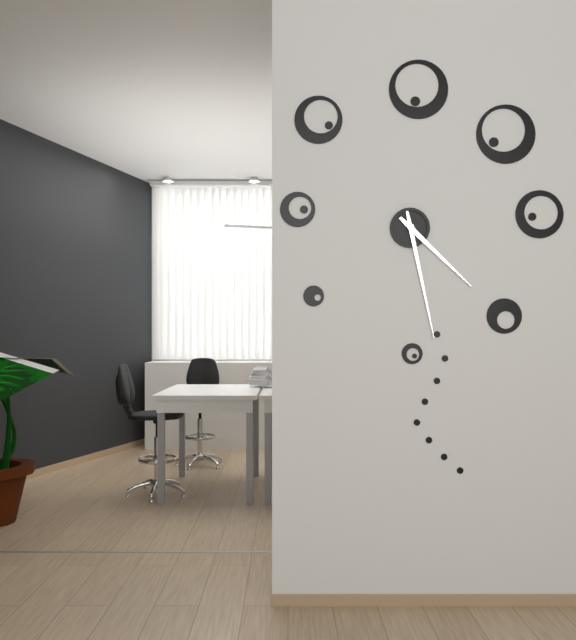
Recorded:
**4:28**
